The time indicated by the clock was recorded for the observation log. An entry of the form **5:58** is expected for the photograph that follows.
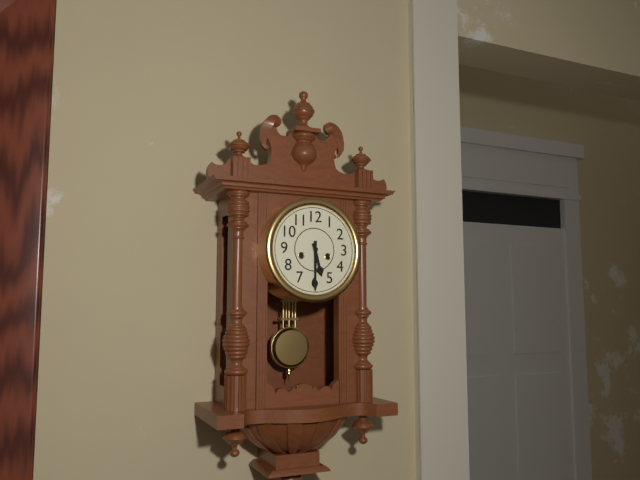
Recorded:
**5:30**
